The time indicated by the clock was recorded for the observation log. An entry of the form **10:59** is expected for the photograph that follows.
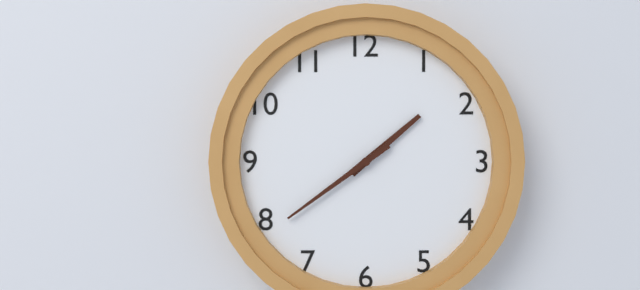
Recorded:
**1:39**
